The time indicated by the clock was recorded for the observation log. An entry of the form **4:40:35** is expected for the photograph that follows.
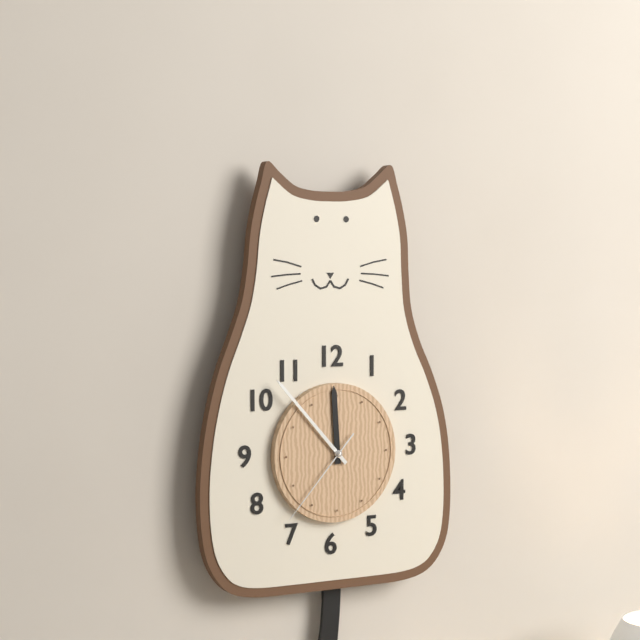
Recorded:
**11:53:37**
